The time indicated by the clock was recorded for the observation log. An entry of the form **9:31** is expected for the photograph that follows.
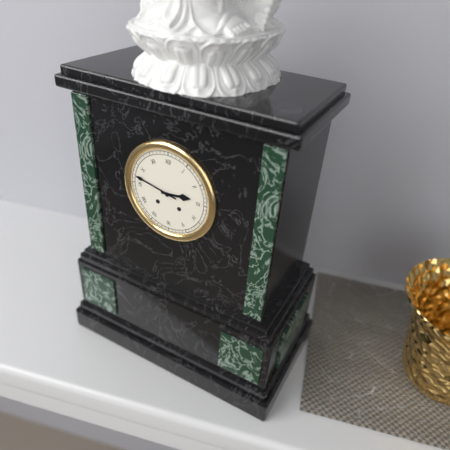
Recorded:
**2:47**
